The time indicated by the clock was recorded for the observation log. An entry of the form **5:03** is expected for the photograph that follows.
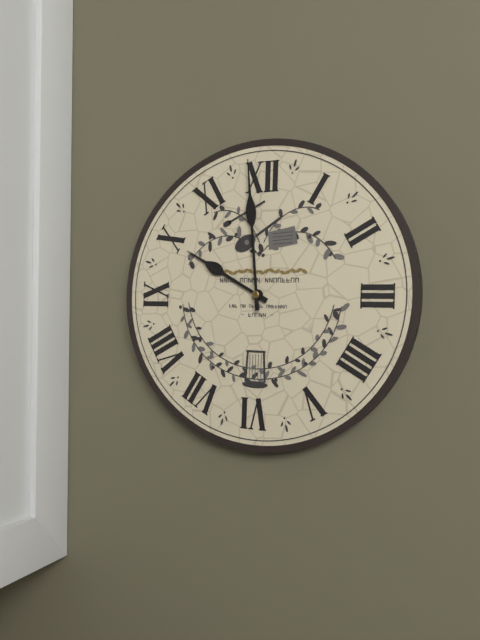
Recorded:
**9:59**
